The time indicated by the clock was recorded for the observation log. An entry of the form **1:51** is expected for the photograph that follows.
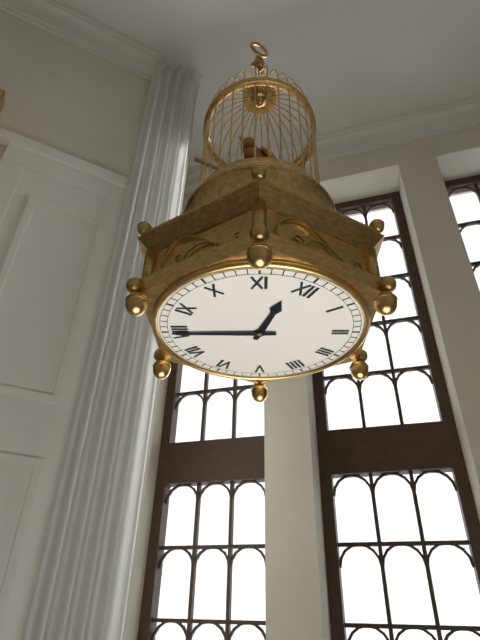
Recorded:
**11:40**
